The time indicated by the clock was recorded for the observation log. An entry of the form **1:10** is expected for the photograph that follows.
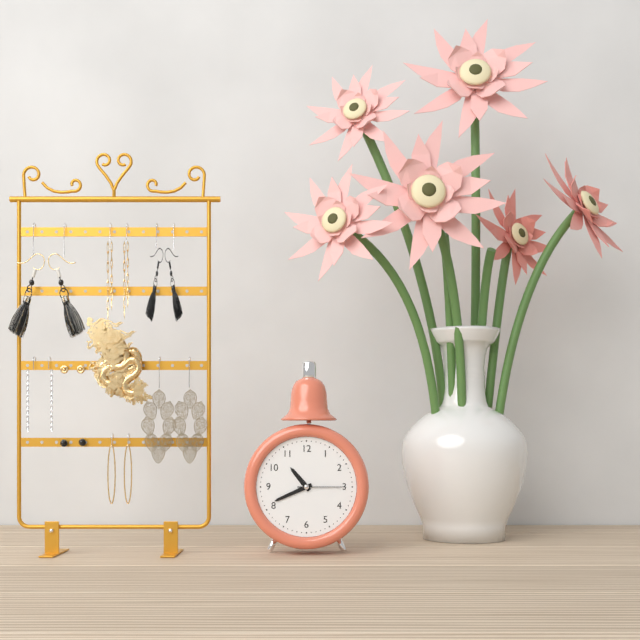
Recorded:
**10:41**
